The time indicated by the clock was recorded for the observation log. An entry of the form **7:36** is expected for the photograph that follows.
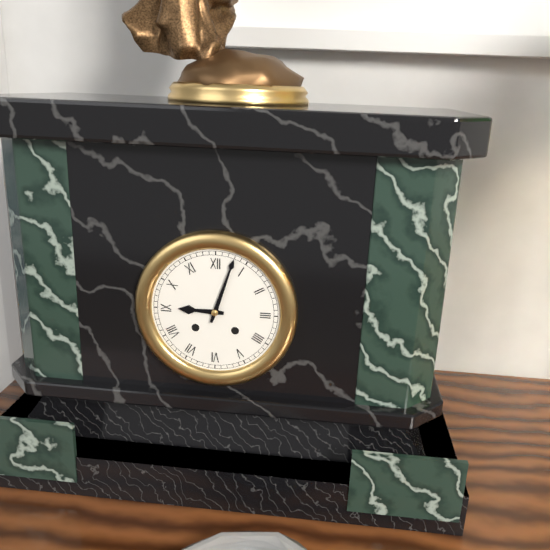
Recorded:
**9:03**
